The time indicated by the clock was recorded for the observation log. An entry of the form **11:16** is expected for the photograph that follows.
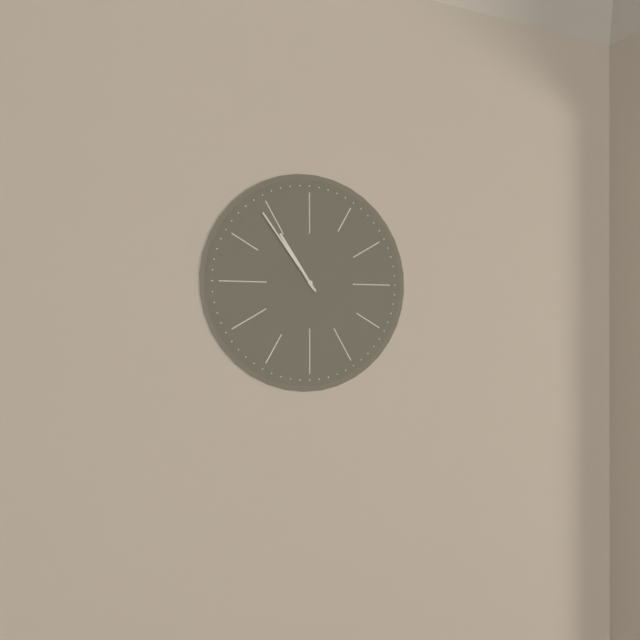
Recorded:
**10:54**
